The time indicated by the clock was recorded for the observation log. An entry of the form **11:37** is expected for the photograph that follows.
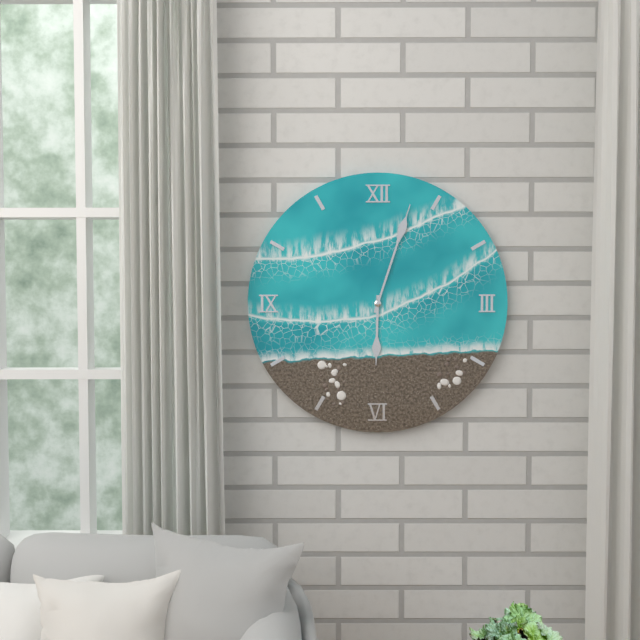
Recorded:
**6:03**
